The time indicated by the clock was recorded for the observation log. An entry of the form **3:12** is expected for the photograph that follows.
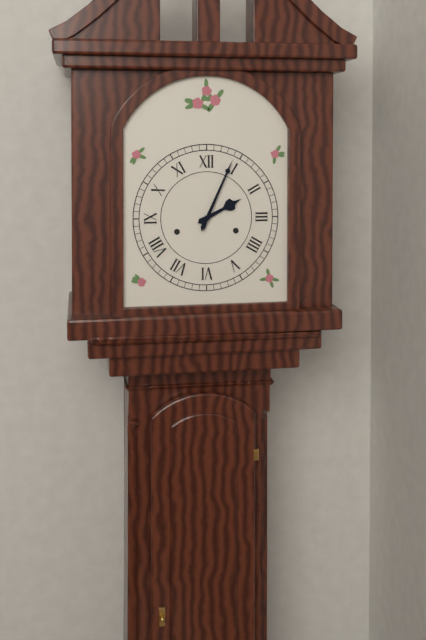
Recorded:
**2:04**
